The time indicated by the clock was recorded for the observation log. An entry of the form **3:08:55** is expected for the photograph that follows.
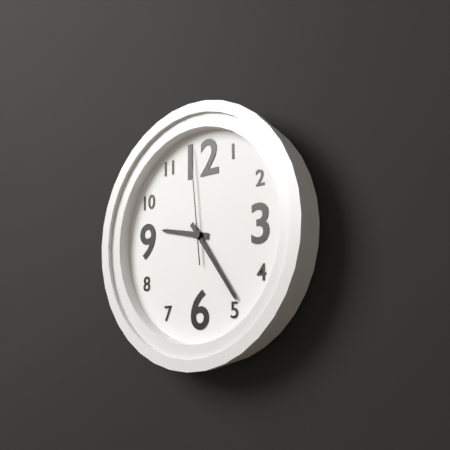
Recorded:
**9:24:59**
